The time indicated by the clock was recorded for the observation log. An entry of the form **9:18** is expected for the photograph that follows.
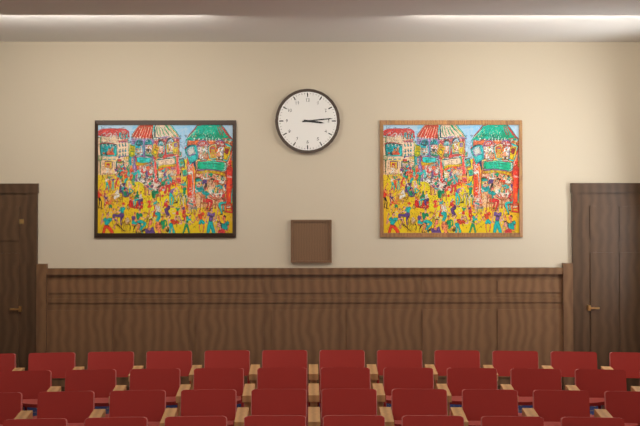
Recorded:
**3:14**
